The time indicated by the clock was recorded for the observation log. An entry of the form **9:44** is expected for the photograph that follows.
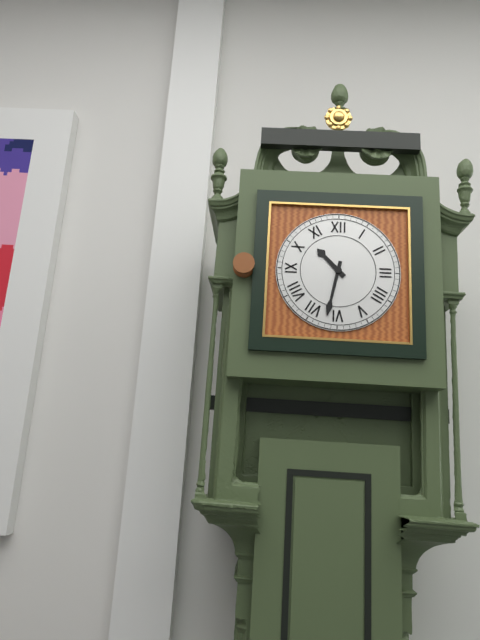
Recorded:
**10:32**
